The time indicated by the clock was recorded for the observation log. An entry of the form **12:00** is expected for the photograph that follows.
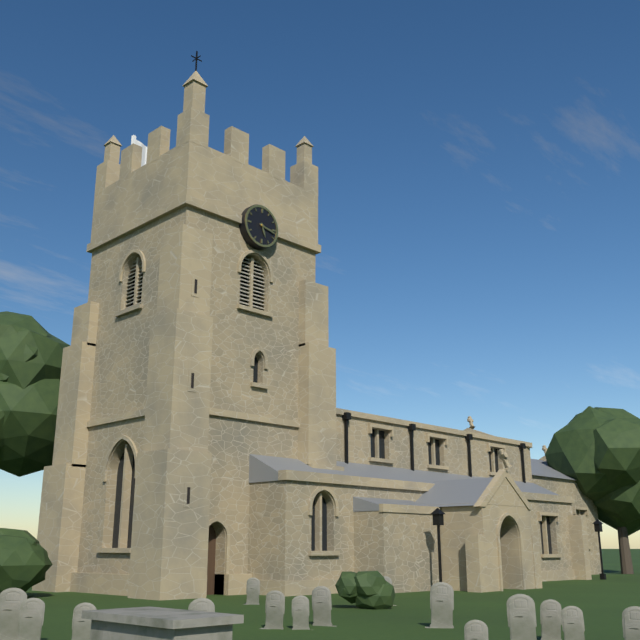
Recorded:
**5:17**
